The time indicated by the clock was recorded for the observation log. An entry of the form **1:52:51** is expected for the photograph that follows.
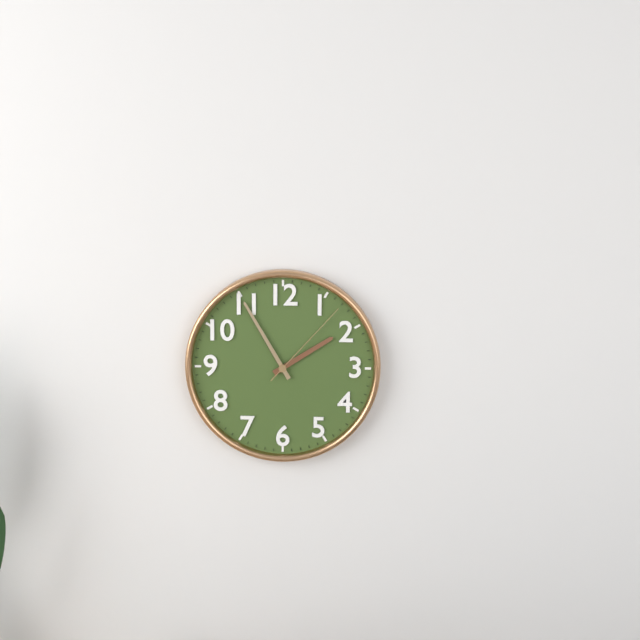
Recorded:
**1:55:07**
